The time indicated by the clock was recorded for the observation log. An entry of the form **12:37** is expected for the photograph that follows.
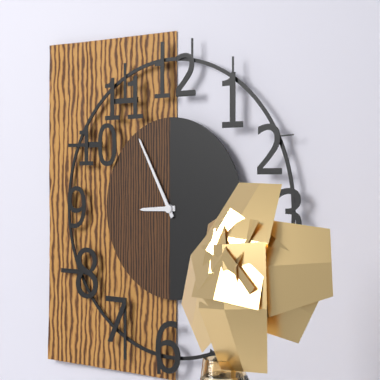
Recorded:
**8:55**
